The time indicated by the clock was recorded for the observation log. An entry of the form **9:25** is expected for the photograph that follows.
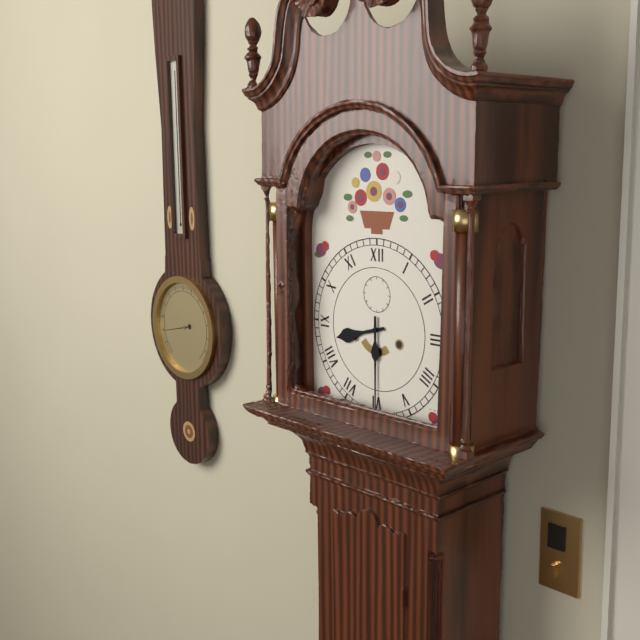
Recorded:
**8:30**
